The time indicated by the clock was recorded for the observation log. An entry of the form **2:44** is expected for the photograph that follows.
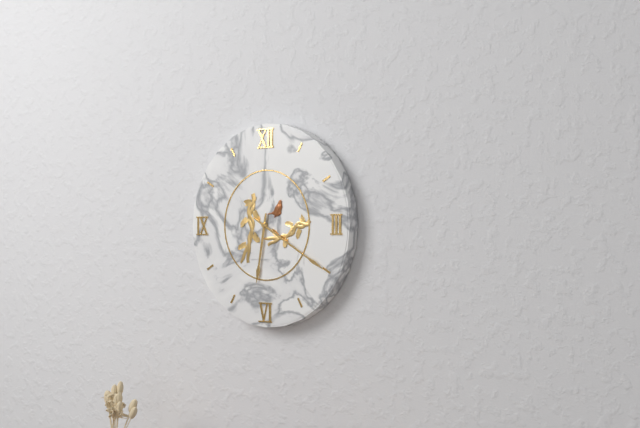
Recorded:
**6:20**
